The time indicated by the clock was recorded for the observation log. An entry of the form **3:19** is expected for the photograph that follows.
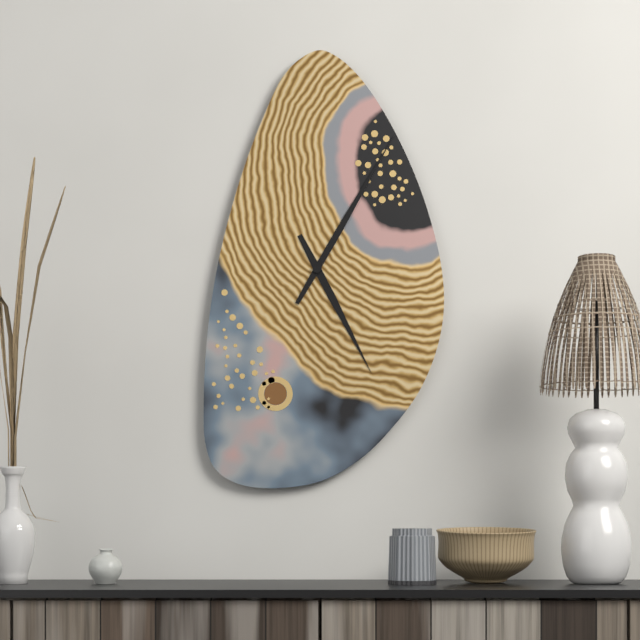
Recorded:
**5:05**
